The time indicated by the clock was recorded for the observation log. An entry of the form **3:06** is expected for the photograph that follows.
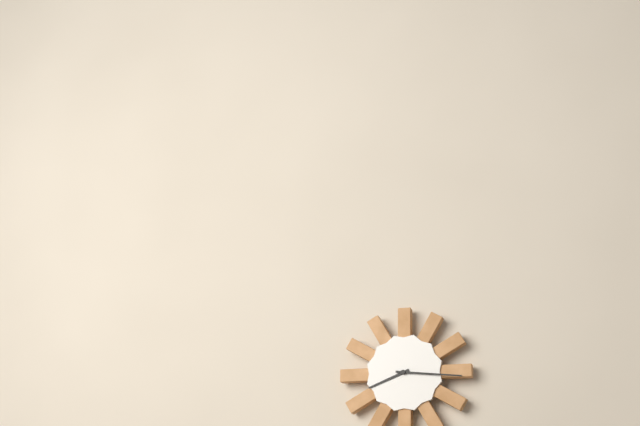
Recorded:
**8:16**
